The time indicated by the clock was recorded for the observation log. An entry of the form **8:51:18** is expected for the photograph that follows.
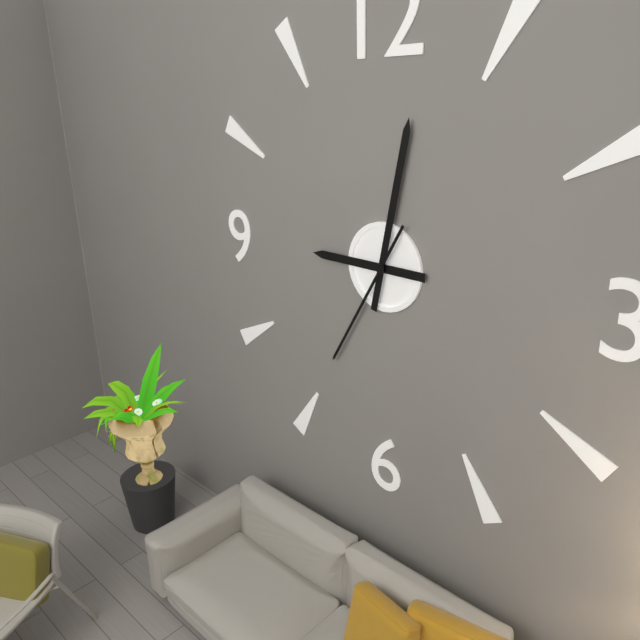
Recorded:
**9:02:35**
